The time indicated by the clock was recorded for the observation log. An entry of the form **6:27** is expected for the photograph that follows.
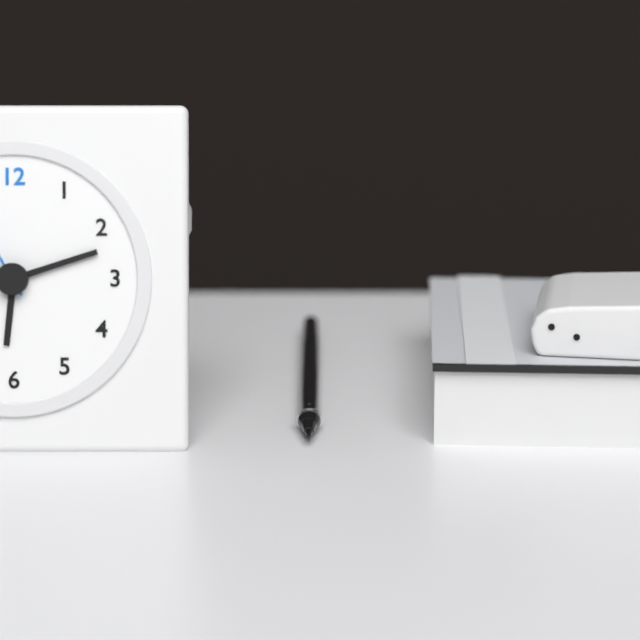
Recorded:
**6:12**
